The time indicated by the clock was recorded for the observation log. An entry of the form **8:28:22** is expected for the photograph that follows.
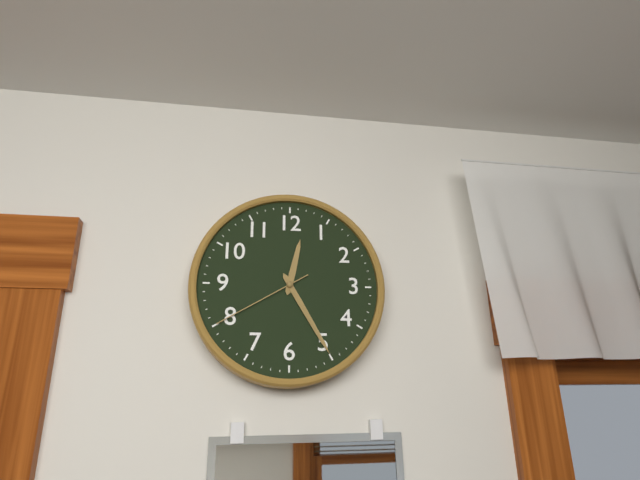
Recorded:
**12:25:40**
